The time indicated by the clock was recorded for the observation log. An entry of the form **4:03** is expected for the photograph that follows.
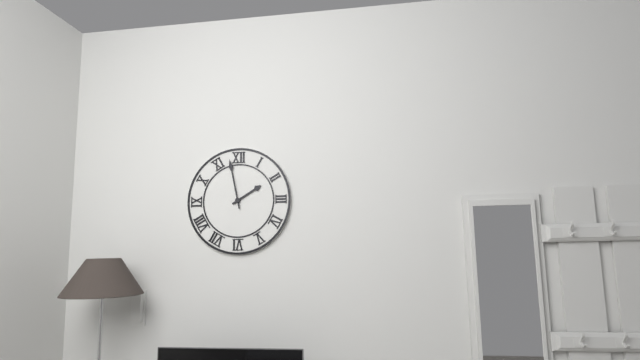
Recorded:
**1:58**
